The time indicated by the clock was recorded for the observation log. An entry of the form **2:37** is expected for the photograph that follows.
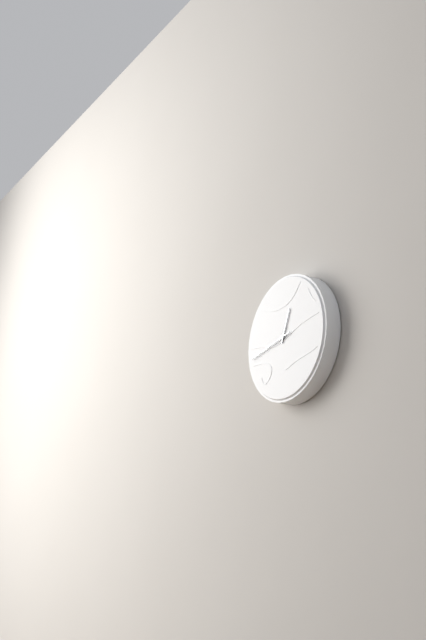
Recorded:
**12:43**
